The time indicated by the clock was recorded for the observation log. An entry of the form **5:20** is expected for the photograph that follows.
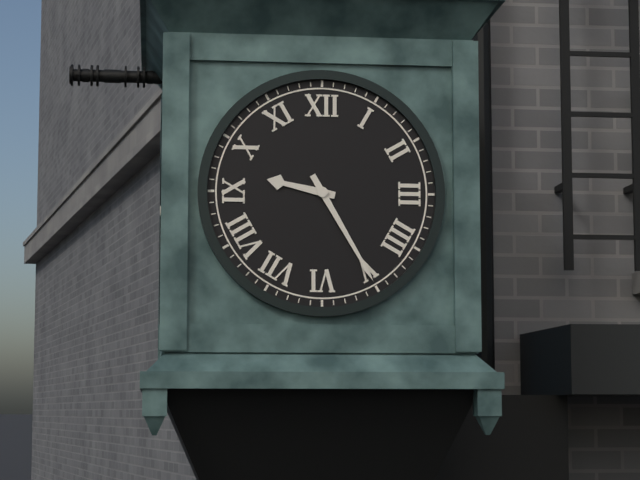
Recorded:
**9:25**
